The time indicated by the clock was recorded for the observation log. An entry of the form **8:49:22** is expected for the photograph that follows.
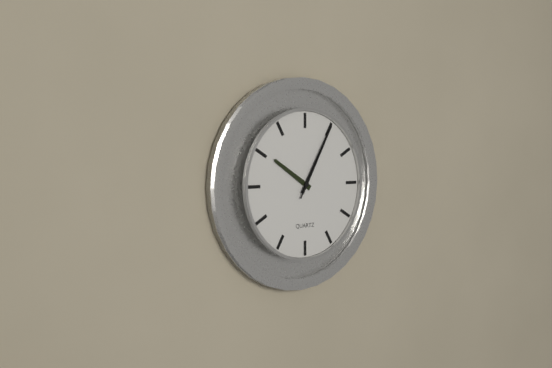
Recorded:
**10:05:05**
